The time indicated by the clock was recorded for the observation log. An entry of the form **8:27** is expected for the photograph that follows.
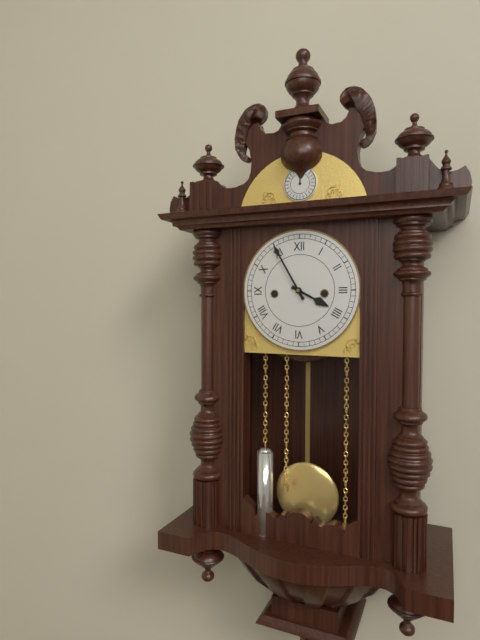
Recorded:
**3:55**
